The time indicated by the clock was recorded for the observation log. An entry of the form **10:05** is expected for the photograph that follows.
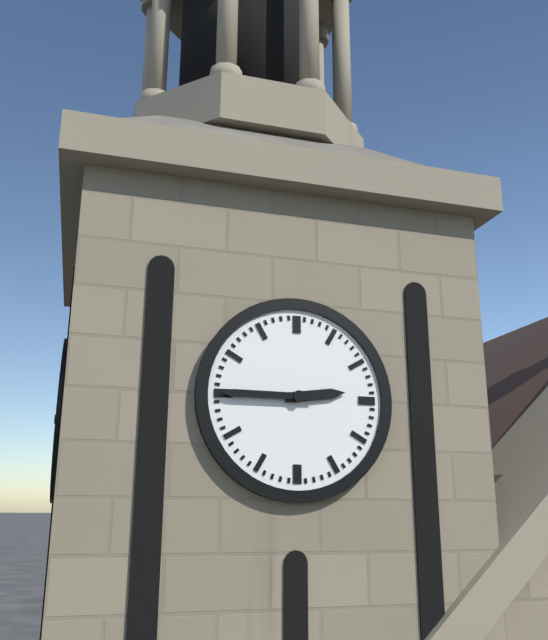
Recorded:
**2:45**
